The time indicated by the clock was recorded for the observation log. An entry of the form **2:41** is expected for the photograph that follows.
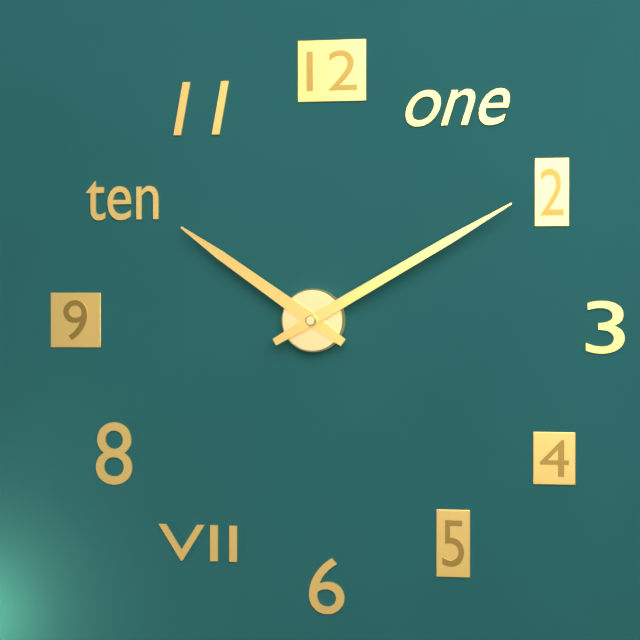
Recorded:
**10:10**
